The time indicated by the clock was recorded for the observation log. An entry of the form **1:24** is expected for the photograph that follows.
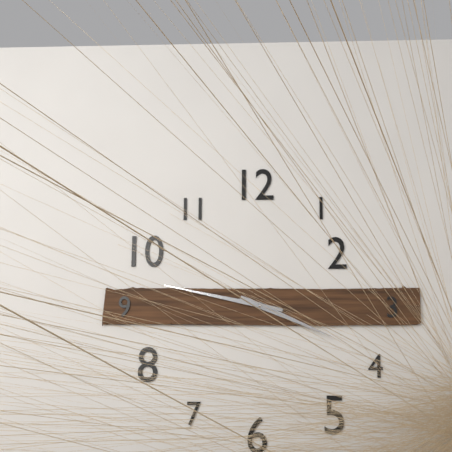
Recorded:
**3:47**
